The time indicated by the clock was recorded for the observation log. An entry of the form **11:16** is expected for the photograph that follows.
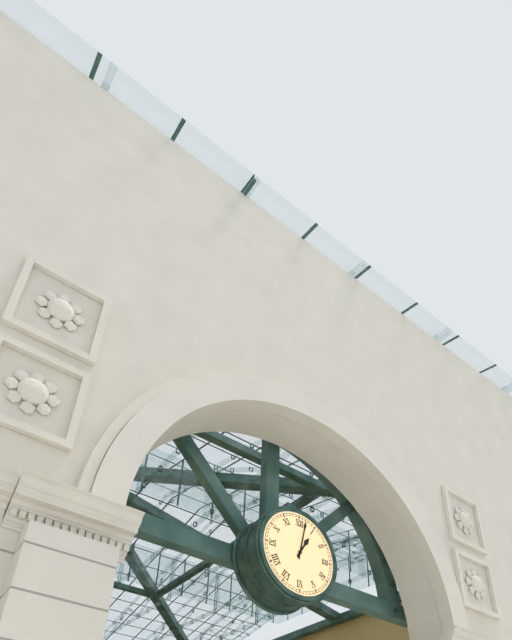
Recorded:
**1:02**
